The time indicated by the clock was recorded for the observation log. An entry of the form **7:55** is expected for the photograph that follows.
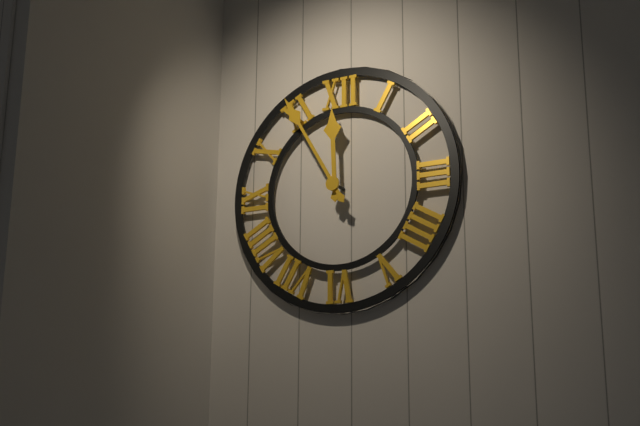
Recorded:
**11:55**
